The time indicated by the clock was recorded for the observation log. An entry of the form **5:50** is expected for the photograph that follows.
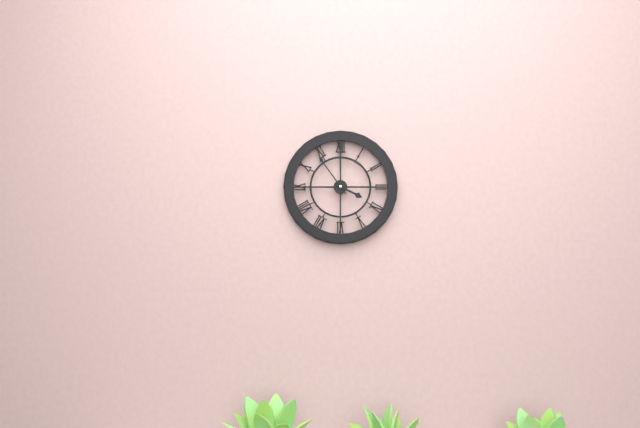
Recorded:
**3:54**
